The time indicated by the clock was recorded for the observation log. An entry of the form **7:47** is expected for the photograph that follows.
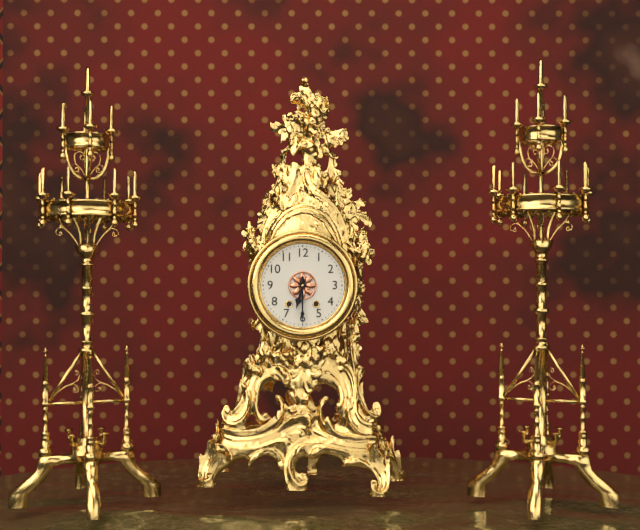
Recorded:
**6:30**
